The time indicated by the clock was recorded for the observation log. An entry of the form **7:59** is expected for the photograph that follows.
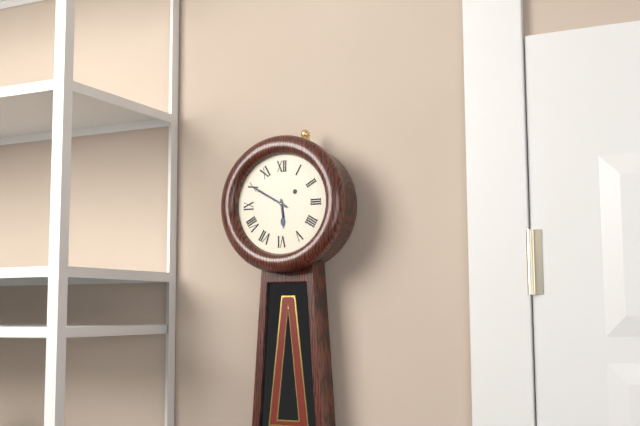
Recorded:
**5:50**
